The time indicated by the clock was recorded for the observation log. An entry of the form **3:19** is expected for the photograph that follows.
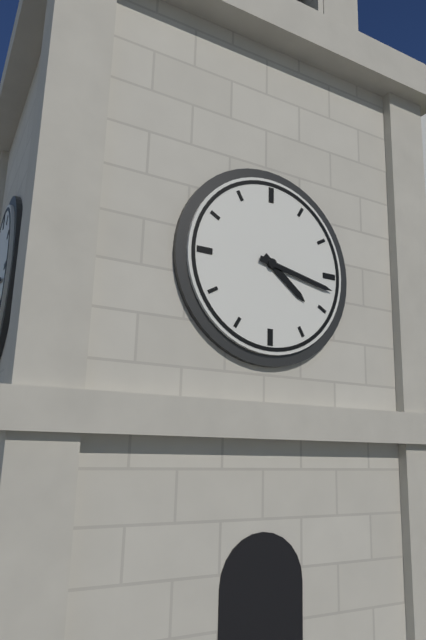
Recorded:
**4:17**
